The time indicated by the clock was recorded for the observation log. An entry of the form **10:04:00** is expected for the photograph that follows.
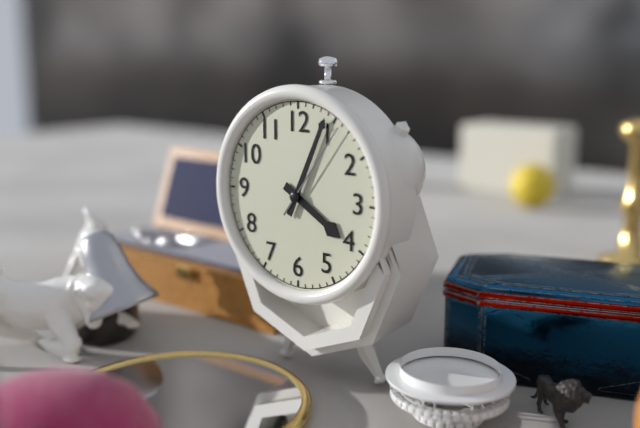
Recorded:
**4:04:06**
